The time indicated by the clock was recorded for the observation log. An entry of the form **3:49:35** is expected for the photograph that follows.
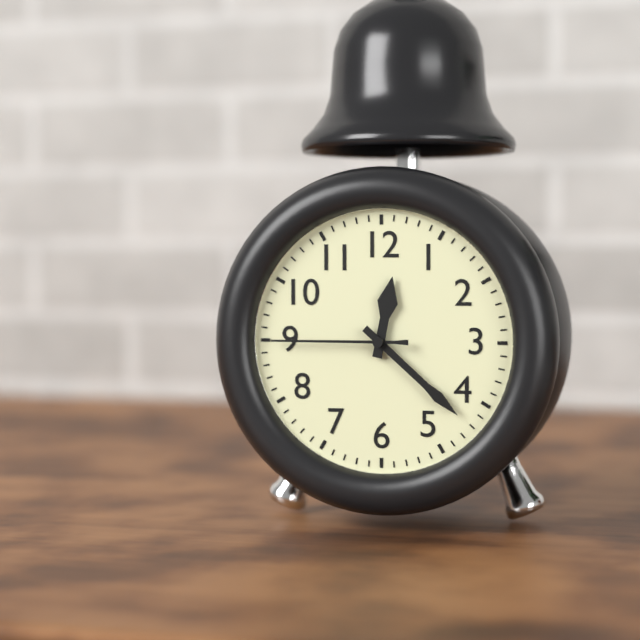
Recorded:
**12:22:45**
